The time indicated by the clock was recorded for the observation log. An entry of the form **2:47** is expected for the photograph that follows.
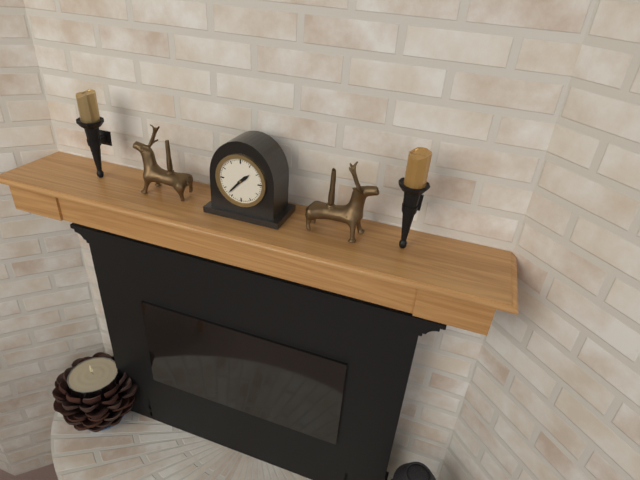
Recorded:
**1:37**
